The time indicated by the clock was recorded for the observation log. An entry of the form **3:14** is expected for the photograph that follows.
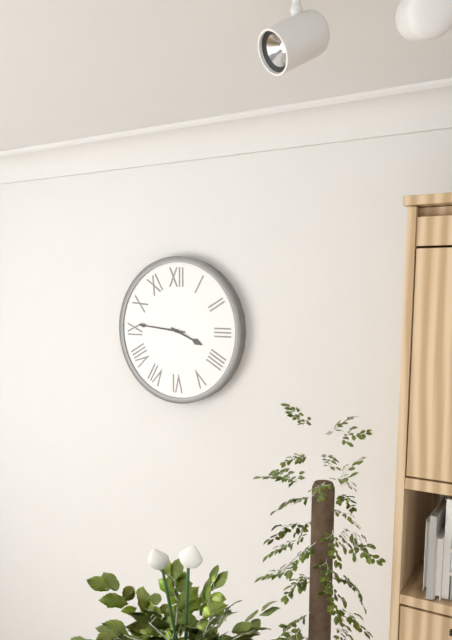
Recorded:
**3:46**
